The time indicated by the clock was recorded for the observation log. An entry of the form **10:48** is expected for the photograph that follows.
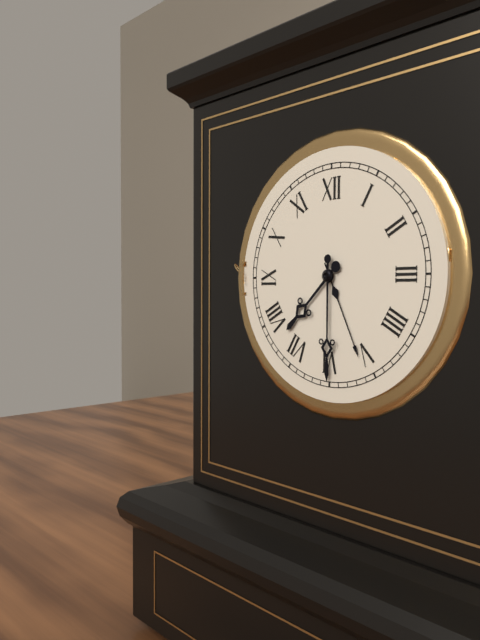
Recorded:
**7:30**
